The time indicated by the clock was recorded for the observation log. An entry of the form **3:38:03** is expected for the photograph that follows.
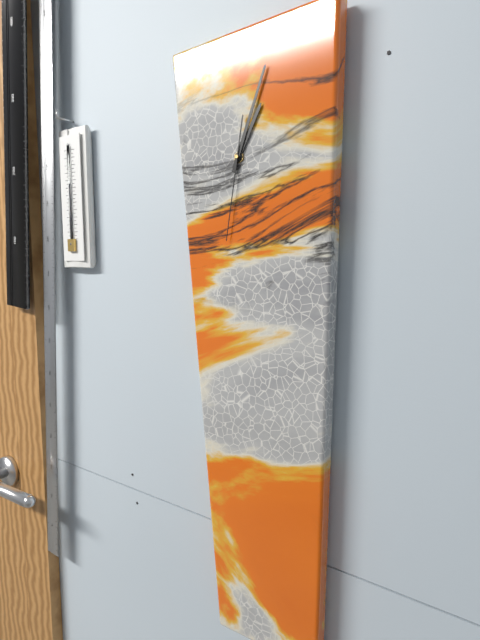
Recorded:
**1:04:32**
